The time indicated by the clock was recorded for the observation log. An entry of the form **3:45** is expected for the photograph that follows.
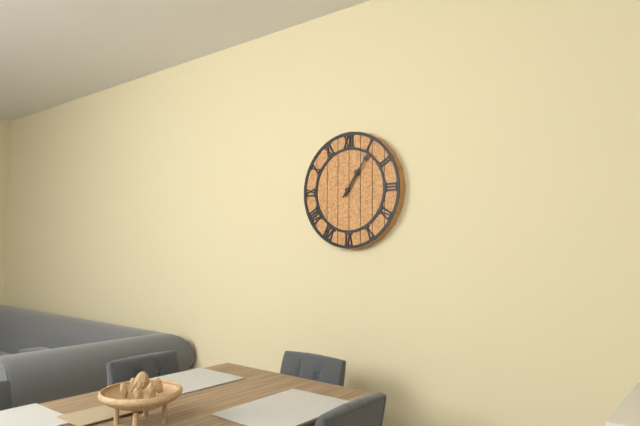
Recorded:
**1:06**
